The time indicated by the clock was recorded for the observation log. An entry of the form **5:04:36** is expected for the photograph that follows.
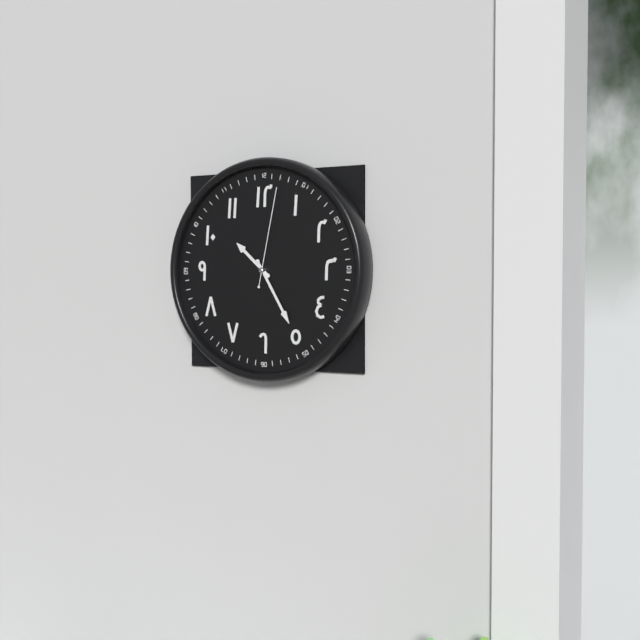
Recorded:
**10:25:02**
